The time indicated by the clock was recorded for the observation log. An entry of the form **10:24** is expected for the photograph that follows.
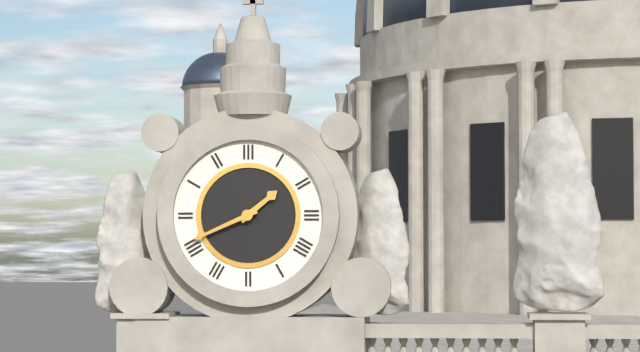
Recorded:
**1:41**
